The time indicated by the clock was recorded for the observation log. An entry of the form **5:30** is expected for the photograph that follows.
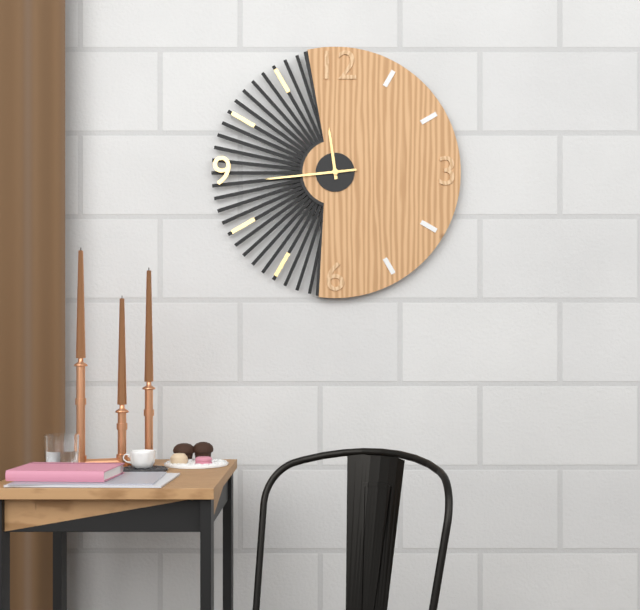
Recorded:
**11:44**
